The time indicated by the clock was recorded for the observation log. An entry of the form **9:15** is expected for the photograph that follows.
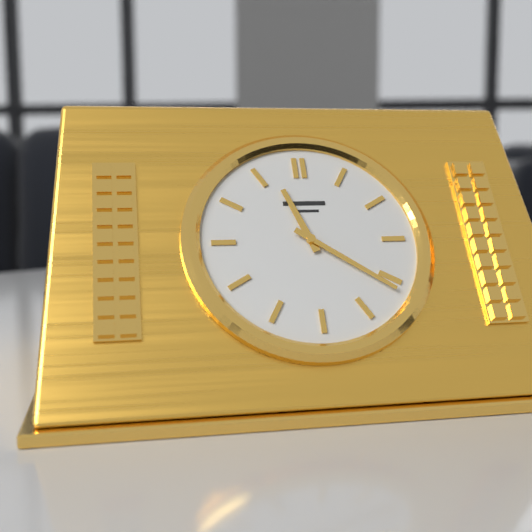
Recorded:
**11:21**
